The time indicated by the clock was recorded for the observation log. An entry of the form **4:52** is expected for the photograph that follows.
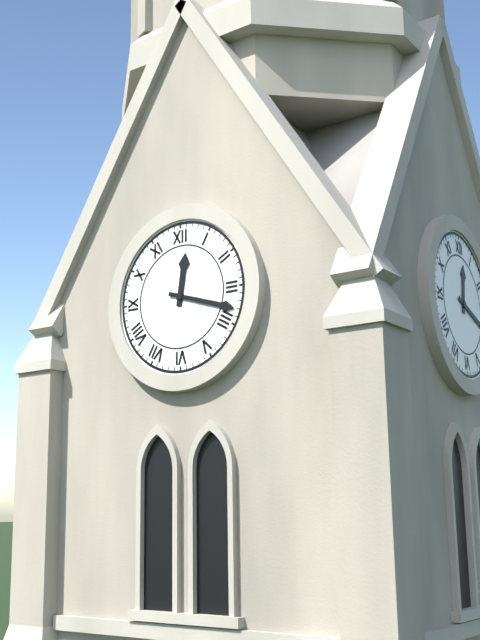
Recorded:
**12:18**
